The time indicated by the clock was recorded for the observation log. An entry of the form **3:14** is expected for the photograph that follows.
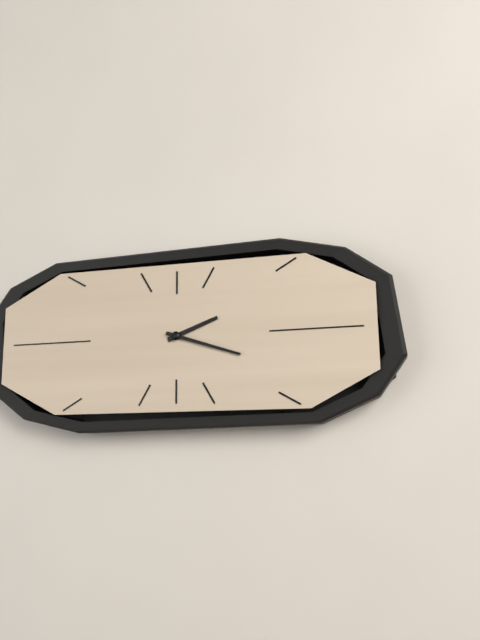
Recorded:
**2:18**
